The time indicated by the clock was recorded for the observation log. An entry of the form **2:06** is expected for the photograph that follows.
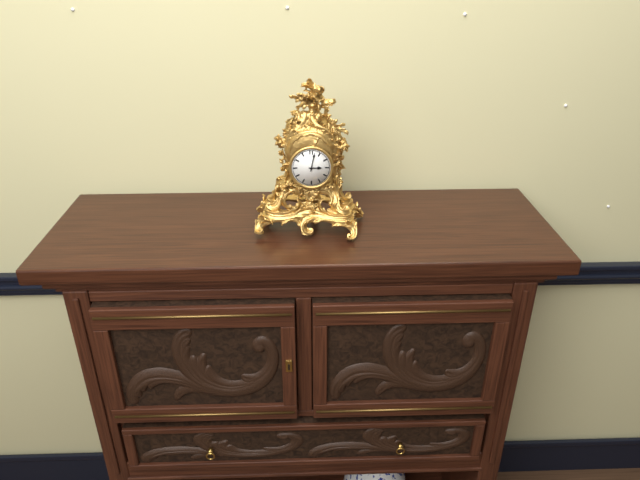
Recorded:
**3:02**
